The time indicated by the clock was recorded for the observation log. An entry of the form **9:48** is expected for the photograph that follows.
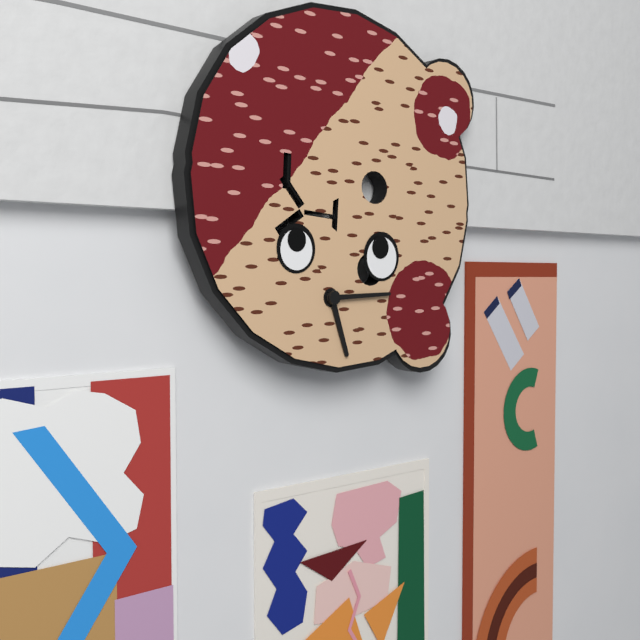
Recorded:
**5:14**
